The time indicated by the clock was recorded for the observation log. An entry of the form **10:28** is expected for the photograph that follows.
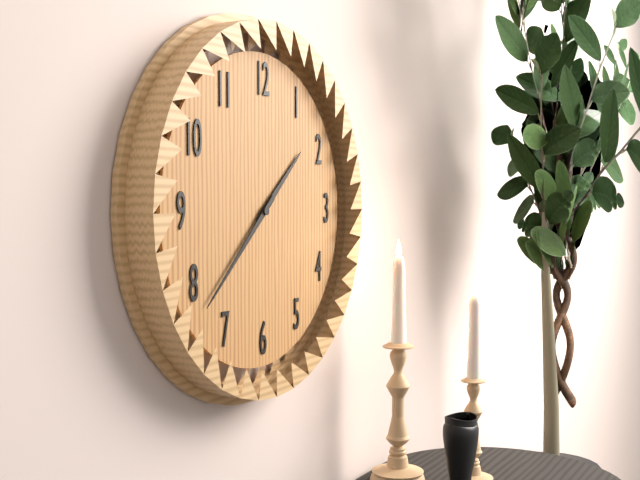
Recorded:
**1:38**
